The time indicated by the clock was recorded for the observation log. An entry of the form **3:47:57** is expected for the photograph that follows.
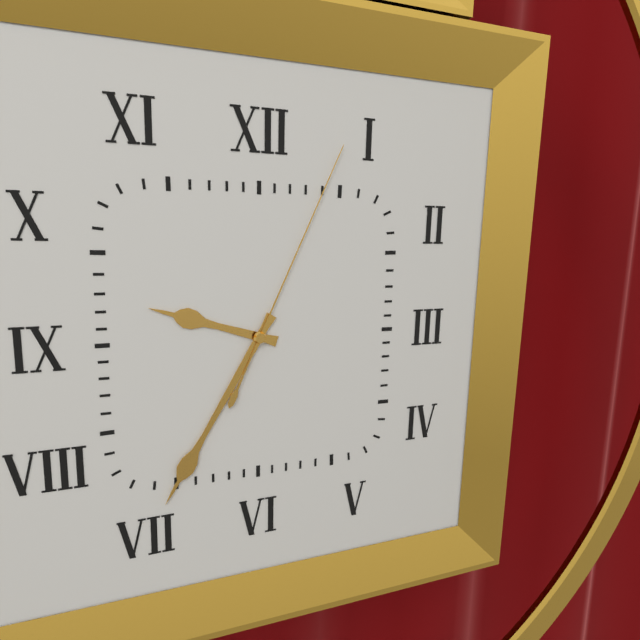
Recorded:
**9:35:04**
